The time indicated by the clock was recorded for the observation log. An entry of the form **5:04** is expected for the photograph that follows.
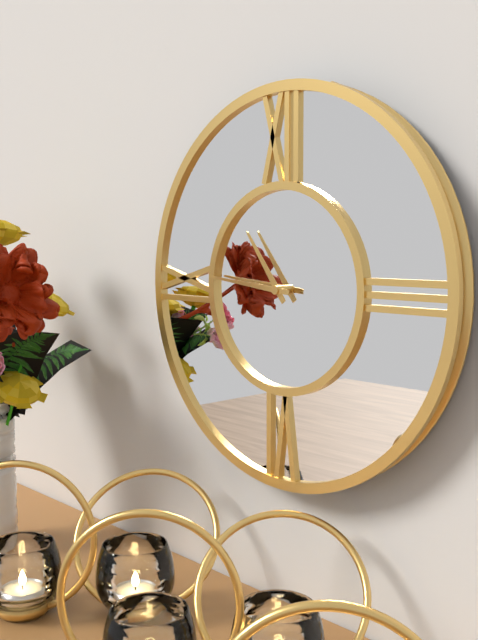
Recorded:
**10:46**
